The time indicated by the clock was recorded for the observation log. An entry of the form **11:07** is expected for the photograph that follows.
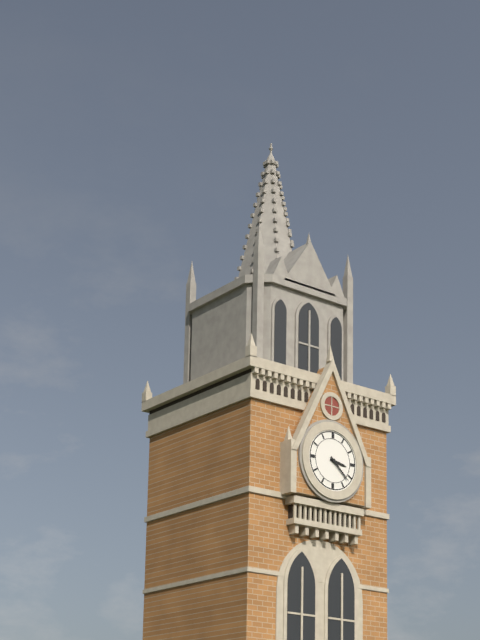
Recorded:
**3:22**
